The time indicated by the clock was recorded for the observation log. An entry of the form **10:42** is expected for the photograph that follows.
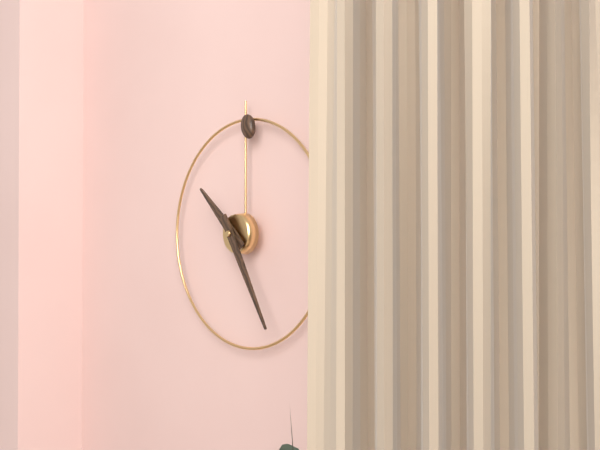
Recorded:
**10:25**
